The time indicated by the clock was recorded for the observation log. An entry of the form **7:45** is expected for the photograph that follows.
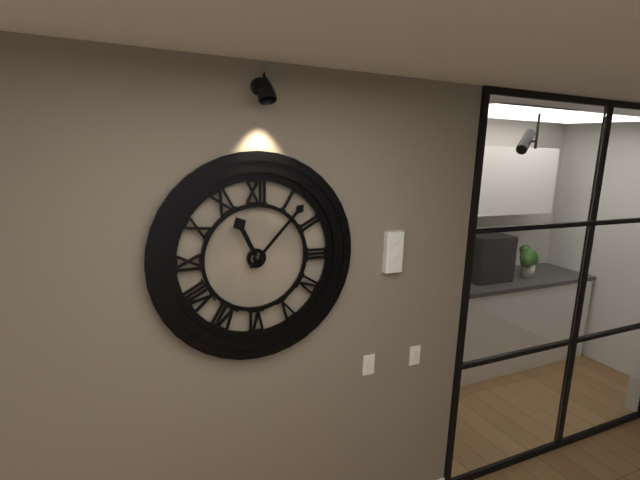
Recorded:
**11:07**
